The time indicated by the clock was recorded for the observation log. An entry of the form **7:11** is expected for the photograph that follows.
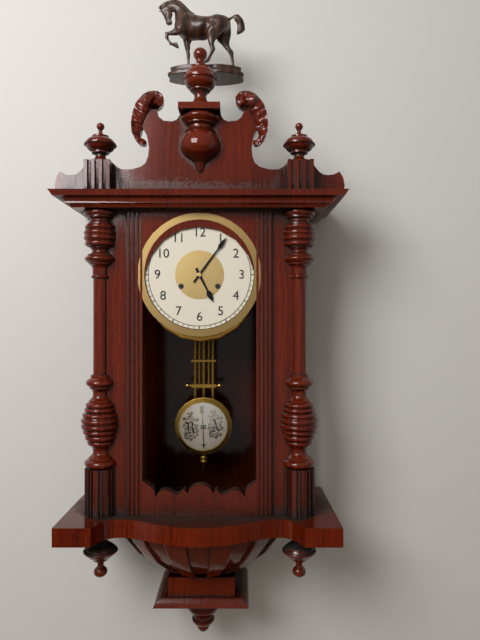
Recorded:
**5:06**
